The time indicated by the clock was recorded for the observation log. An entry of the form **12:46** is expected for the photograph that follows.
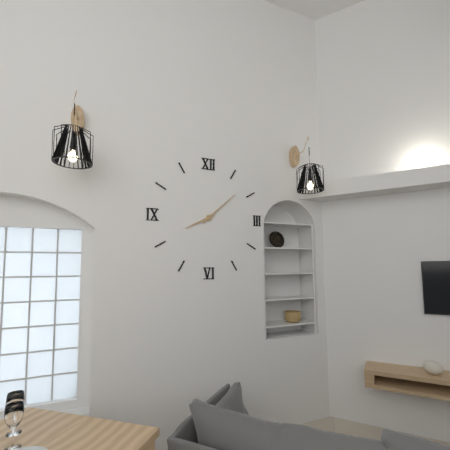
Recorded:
**8:08**
